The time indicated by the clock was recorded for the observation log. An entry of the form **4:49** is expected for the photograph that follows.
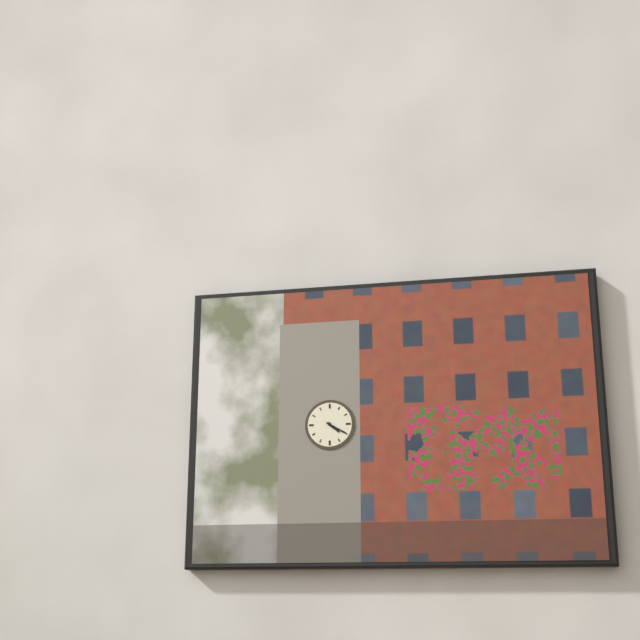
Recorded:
**4:20**
